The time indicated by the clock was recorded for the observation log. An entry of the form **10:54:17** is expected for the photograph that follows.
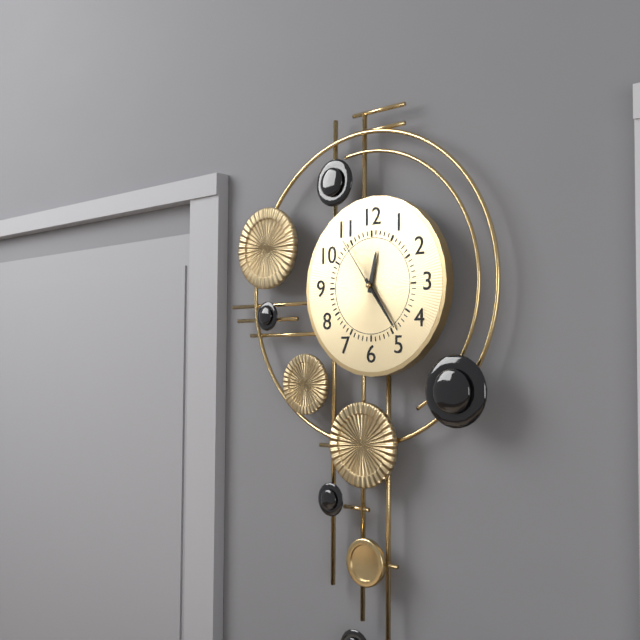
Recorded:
**12:24:54**
